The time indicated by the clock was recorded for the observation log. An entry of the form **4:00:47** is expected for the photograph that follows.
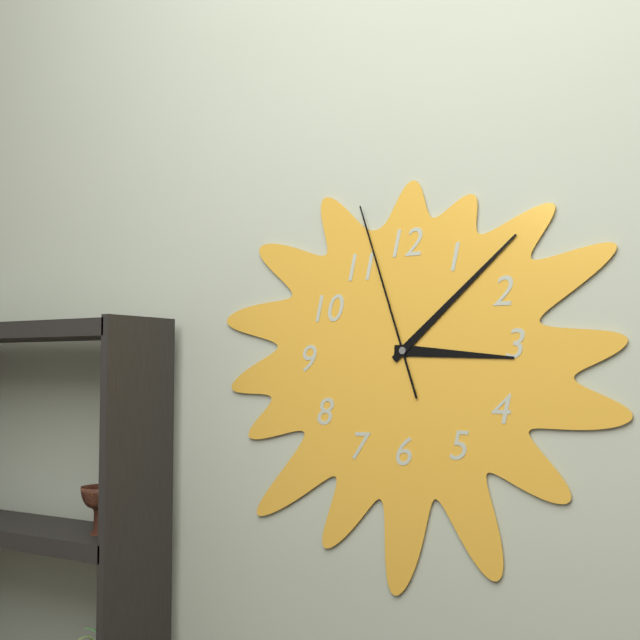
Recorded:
**3:08:57**
